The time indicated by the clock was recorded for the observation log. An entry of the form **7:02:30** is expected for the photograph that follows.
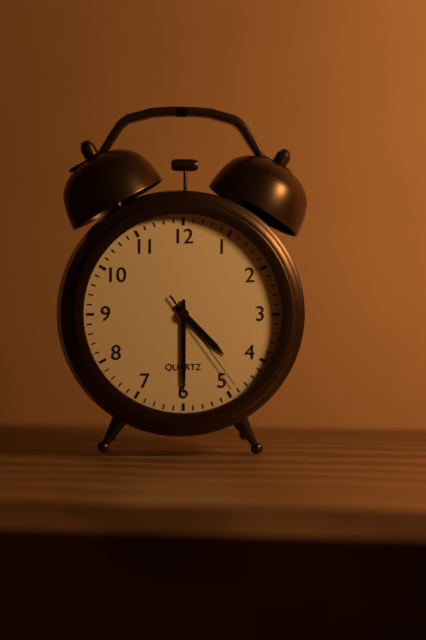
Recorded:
**4:30:24**
